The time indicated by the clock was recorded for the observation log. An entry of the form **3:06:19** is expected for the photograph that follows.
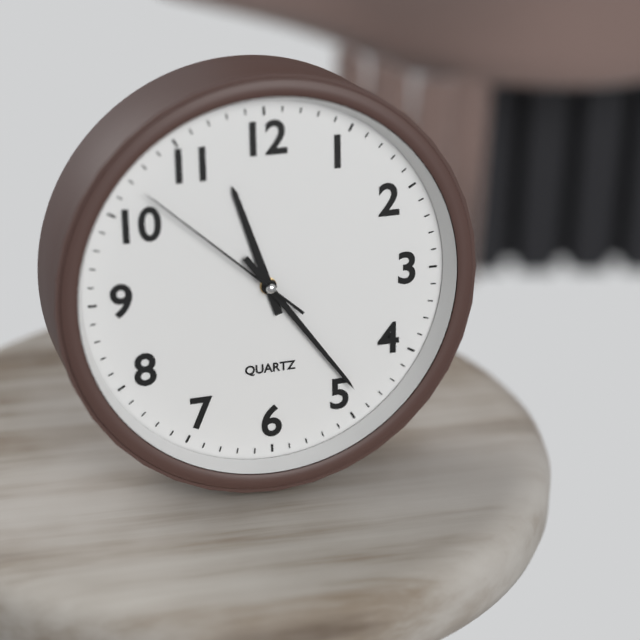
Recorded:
**11:24:52**
